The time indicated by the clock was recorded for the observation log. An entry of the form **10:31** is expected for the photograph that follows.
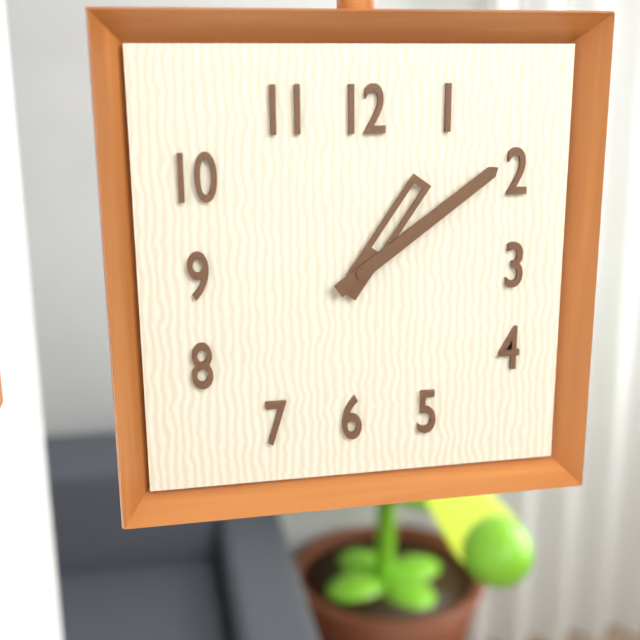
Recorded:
**1:09**
